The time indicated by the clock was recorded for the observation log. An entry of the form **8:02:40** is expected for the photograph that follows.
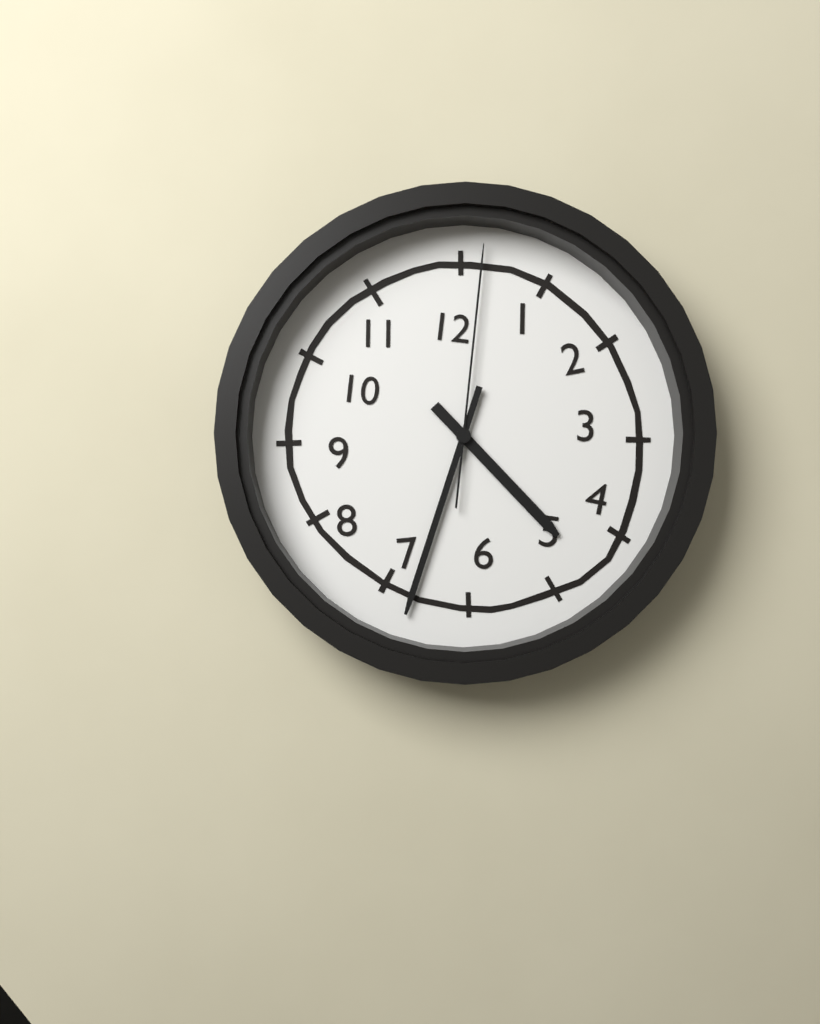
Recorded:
**4:33:01**
